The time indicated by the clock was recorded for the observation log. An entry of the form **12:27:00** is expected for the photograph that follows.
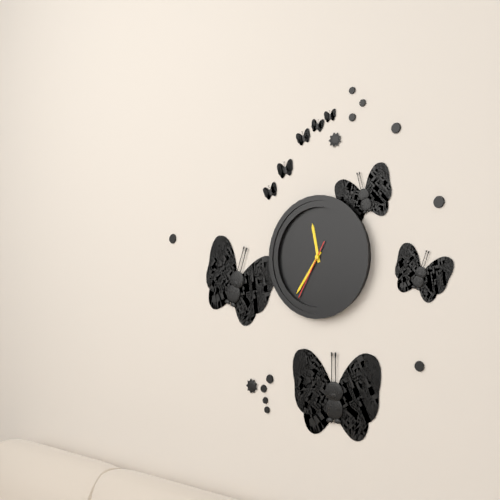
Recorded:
**11:36:35**
